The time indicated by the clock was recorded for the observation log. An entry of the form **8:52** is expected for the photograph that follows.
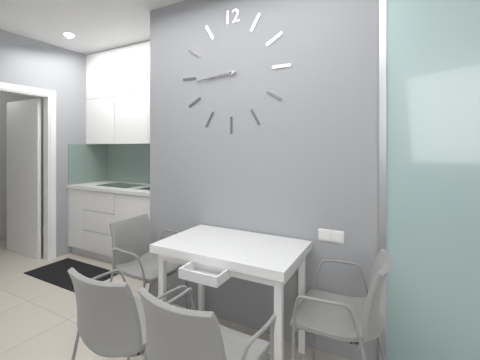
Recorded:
**8:44**
